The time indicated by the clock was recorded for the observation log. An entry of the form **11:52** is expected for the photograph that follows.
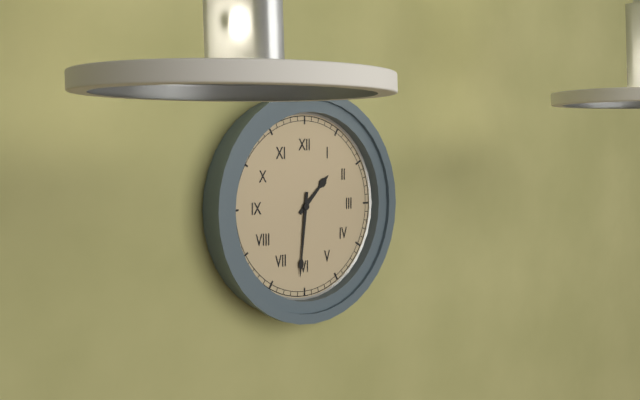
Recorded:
**1:31**
